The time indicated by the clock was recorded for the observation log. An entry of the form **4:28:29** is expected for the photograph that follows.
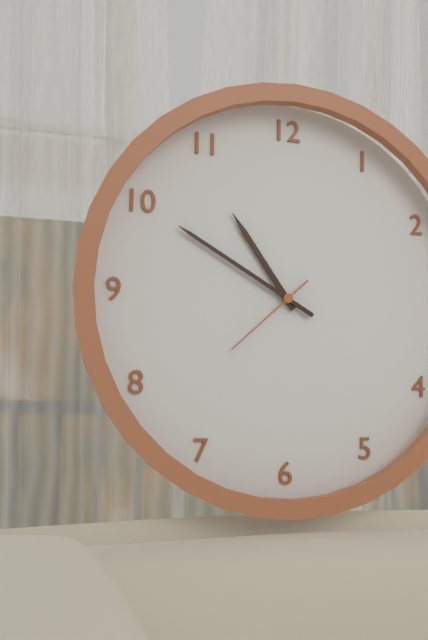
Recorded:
**10:50:38**
